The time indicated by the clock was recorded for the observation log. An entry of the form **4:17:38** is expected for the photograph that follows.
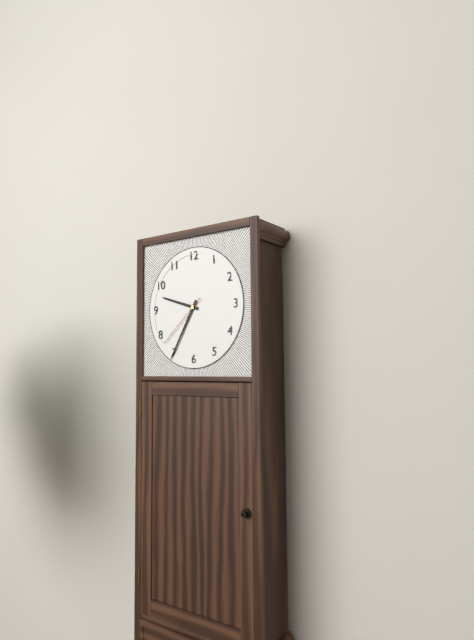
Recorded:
**9:35:38**
